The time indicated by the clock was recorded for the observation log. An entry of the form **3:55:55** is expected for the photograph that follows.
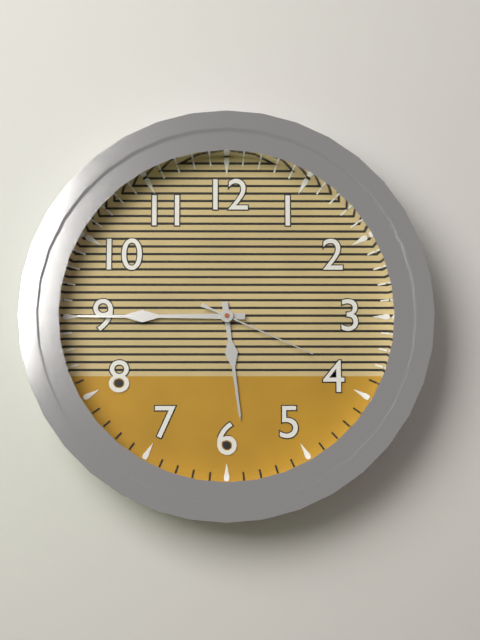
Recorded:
**5:45:19**
